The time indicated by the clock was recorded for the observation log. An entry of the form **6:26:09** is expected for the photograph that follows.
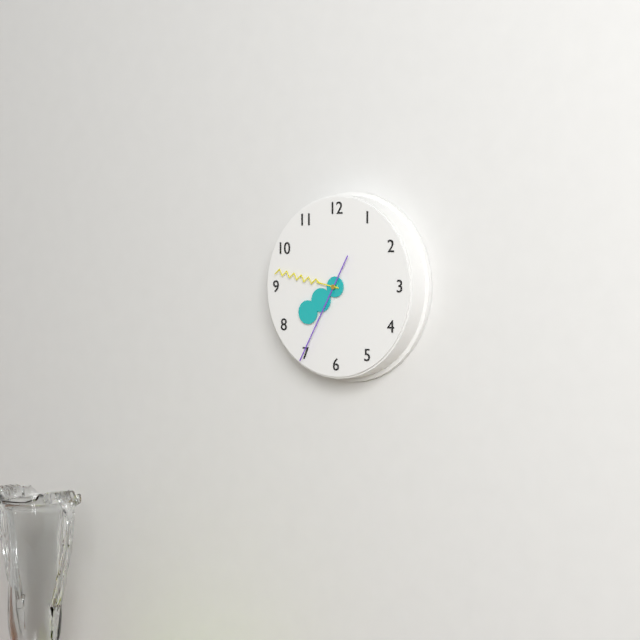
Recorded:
**7:47:35**
